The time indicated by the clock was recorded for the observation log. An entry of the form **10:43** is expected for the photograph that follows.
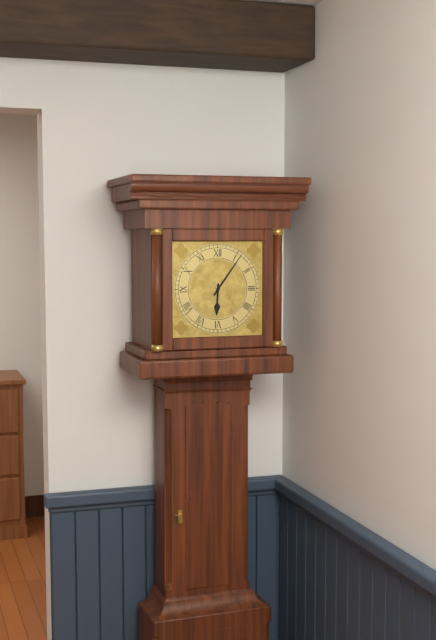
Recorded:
**6:06**
